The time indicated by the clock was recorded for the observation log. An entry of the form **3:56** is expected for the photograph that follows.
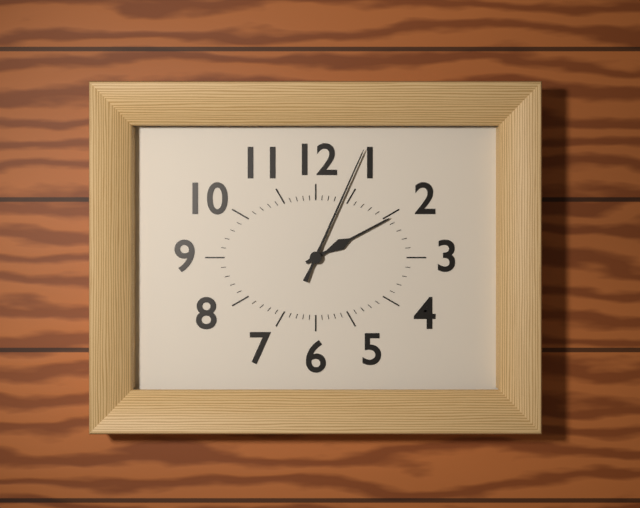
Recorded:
**2:04**
